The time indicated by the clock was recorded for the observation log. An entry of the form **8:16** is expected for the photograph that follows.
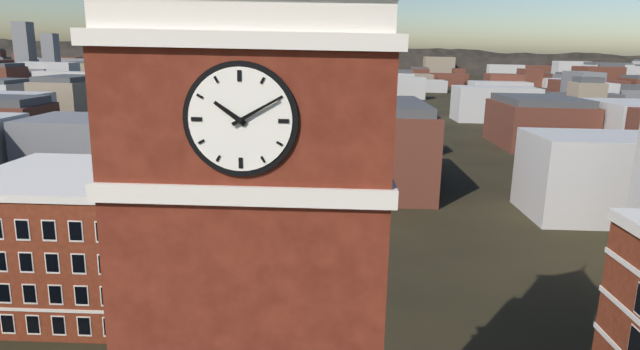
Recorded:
**10:10**
